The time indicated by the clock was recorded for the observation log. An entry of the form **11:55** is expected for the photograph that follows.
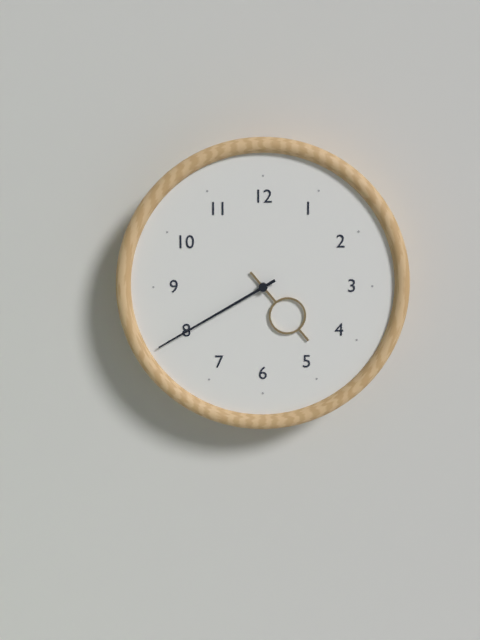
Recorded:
**4:40**
